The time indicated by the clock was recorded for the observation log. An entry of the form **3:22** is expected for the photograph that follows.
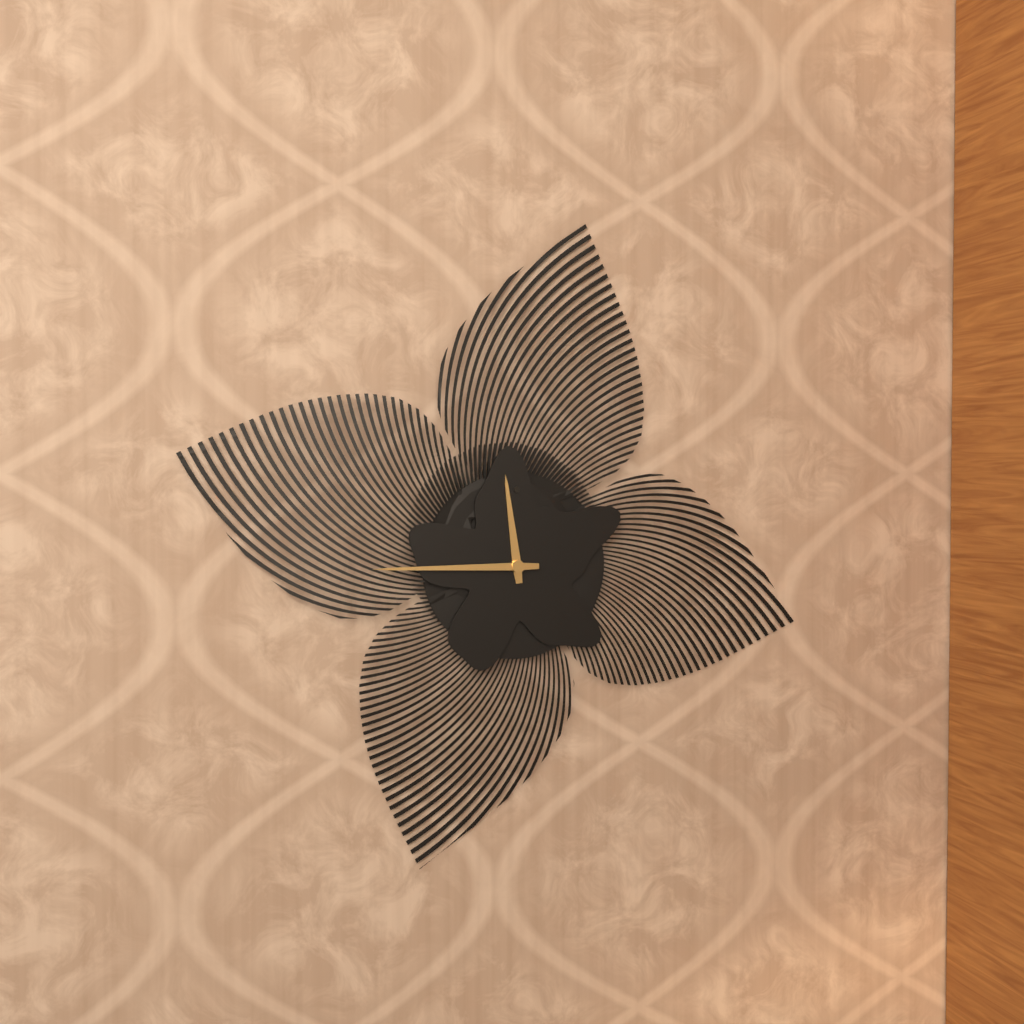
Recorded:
**11:45**
